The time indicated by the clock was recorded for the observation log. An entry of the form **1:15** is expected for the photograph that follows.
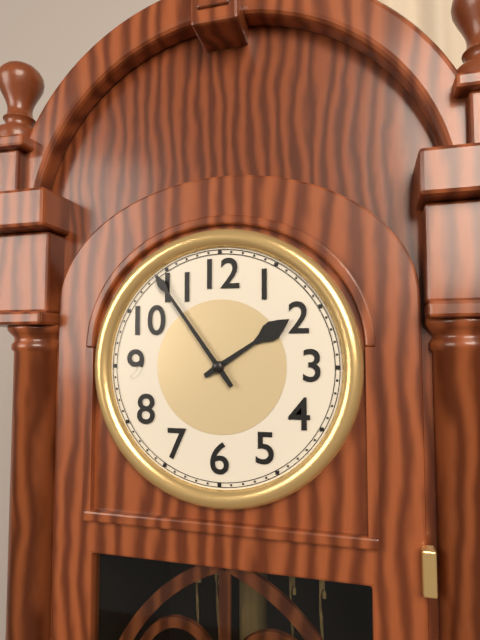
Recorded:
**1:54**
